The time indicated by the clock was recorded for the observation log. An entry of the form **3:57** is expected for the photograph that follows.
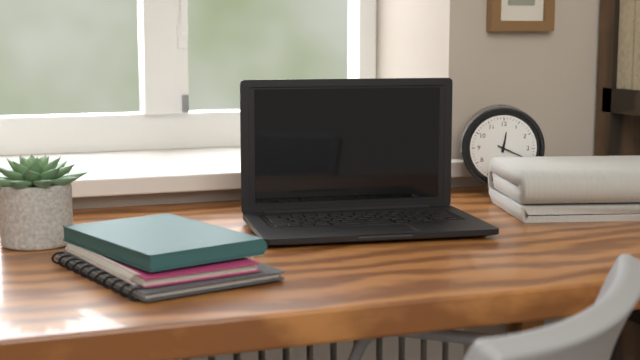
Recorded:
**12:19**
